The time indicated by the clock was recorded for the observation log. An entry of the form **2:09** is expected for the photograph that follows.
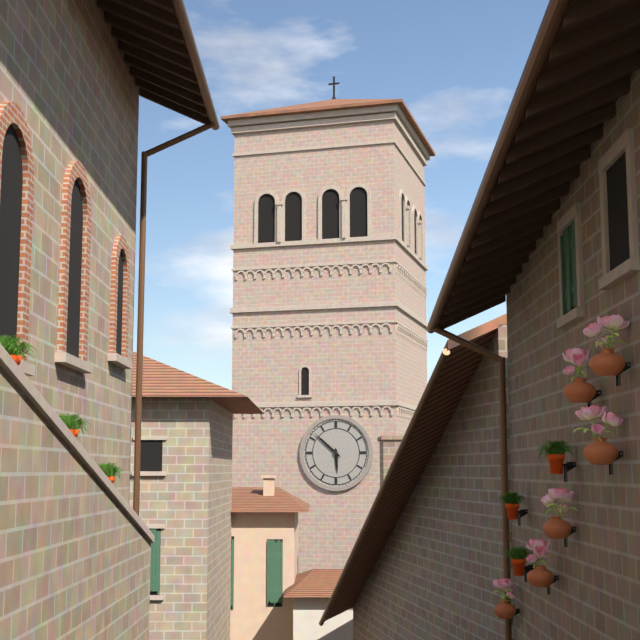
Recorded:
**5:52**
